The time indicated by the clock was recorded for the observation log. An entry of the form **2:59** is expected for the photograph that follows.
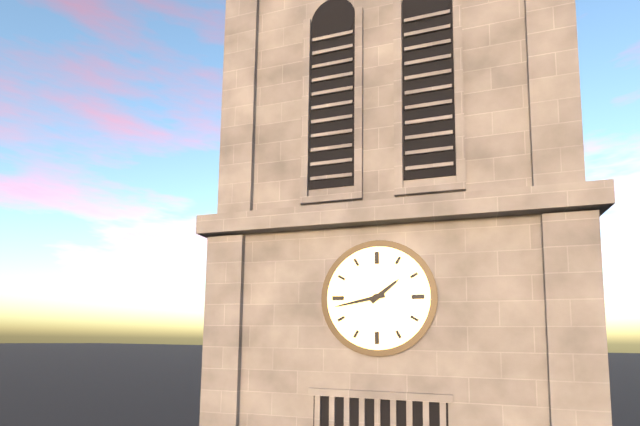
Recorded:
**1:43**
